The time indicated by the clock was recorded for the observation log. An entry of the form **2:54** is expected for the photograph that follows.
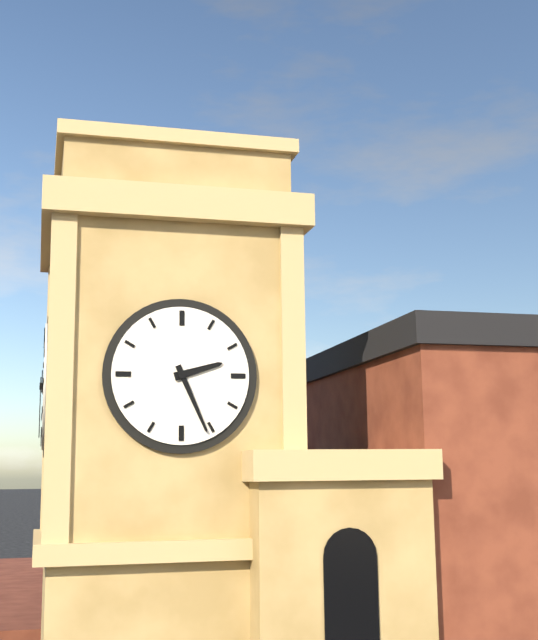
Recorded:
**2:26**
